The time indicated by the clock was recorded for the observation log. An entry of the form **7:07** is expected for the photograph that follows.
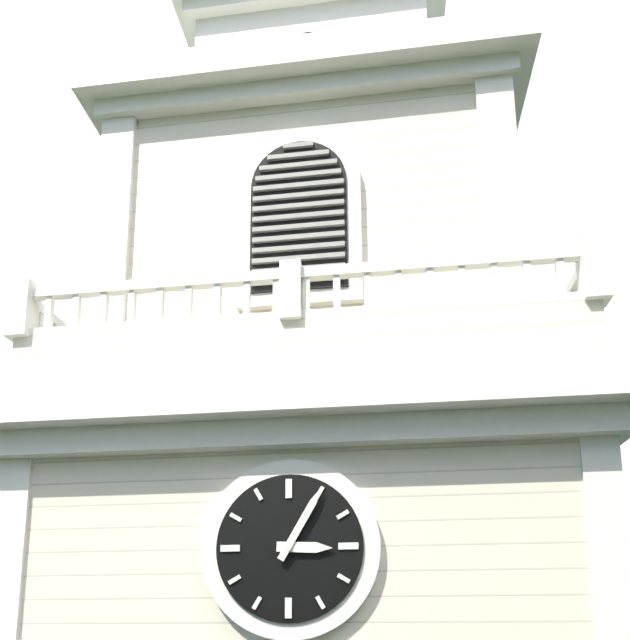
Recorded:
**3:05**
